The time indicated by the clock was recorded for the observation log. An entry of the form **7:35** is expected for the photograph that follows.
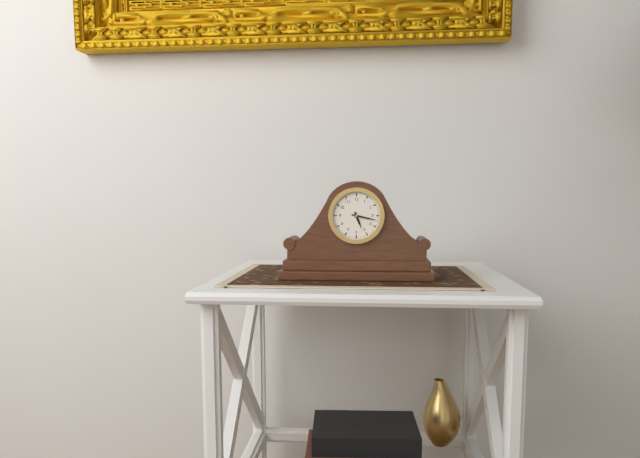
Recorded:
**5:17**
